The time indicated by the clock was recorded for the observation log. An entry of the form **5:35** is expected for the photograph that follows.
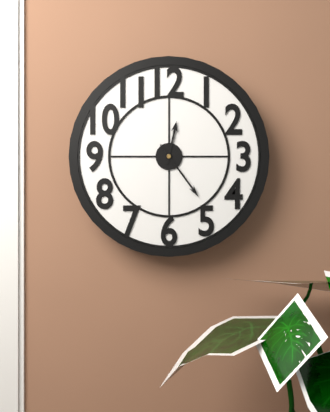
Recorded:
**12:24**
